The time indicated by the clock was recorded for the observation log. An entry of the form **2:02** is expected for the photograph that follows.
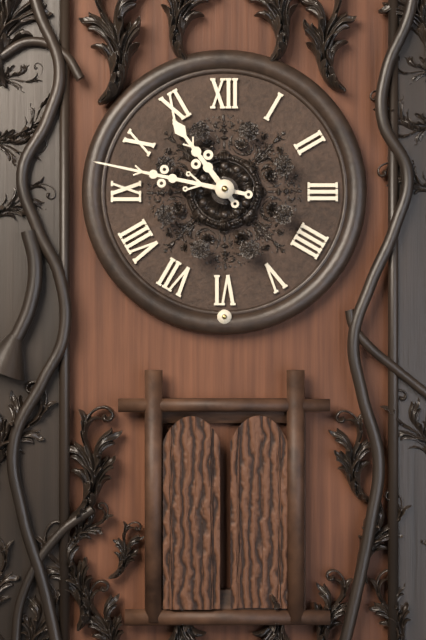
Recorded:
**10:47**
